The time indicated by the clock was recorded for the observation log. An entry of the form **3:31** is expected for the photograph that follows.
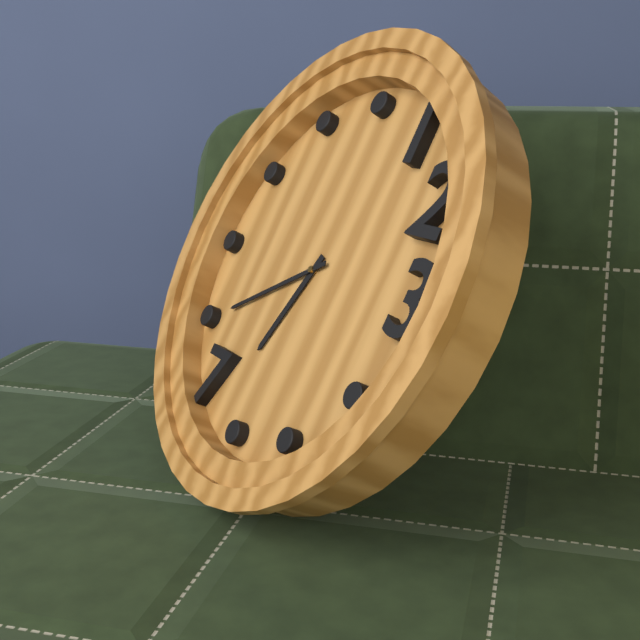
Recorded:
**6:40**
